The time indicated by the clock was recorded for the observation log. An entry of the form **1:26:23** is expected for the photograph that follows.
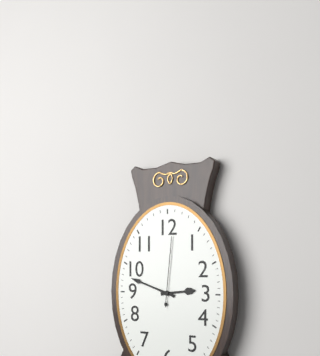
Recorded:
**2:48:01**
